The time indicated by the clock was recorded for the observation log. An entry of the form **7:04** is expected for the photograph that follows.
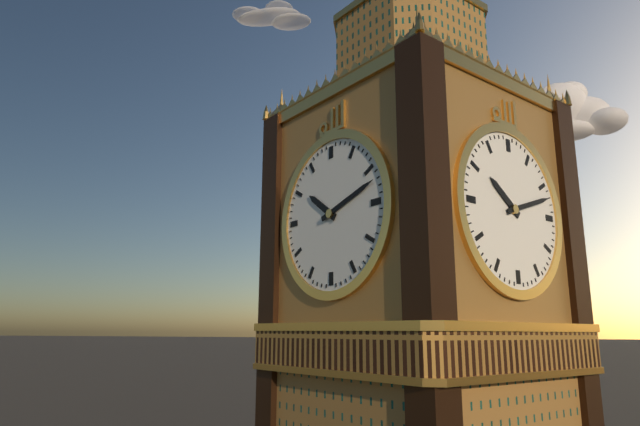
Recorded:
**10:12**
